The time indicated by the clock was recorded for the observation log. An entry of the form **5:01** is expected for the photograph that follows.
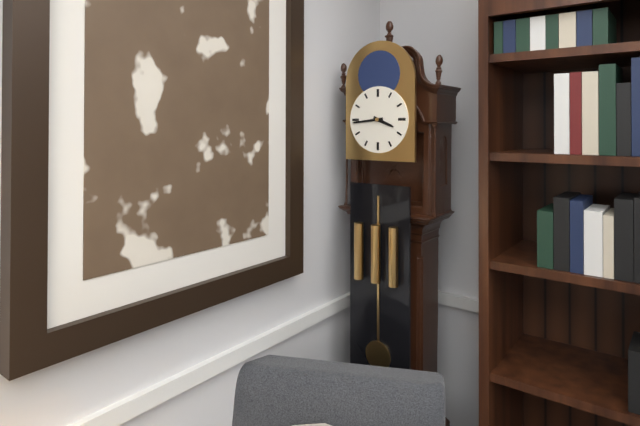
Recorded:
**3:44**
